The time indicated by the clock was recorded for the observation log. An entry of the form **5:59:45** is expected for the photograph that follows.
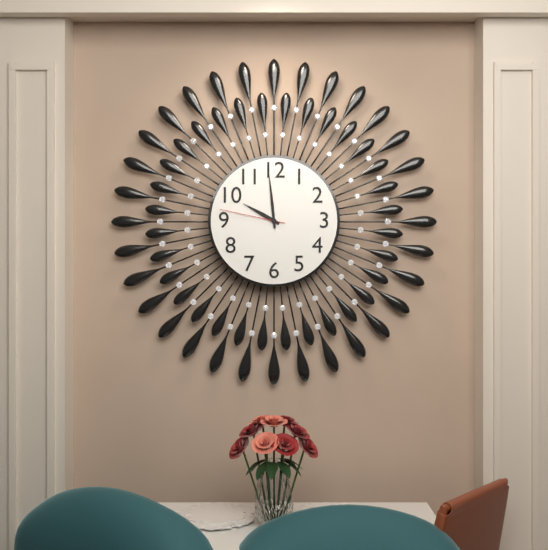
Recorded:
**9:59:47**
